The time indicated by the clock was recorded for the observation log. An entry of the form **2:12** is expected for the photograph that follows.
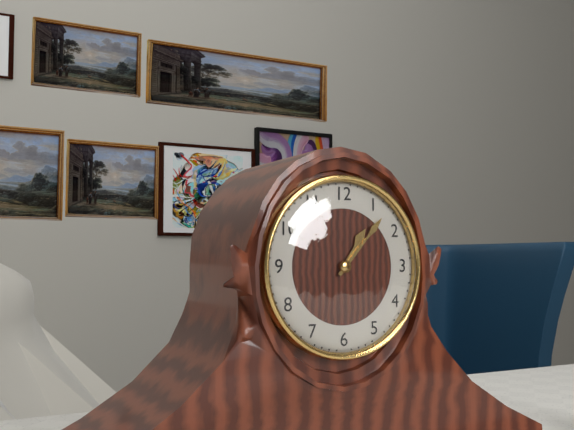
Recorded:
**1:07**
